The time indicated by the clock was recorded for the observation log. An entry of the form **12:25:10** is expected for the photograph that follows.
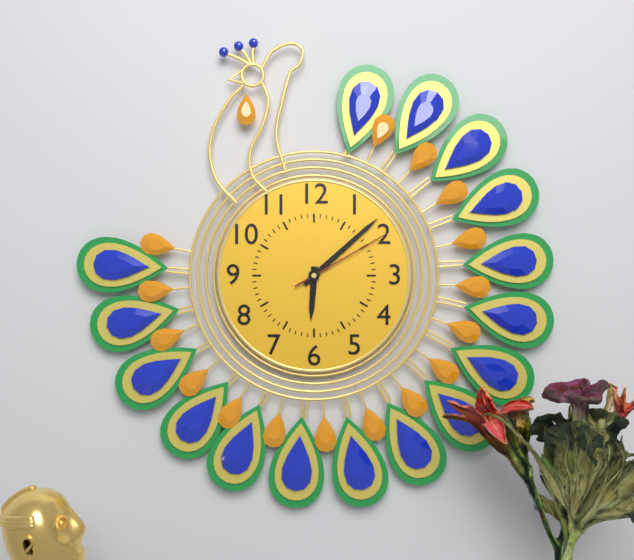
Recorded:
**6:08:10**
